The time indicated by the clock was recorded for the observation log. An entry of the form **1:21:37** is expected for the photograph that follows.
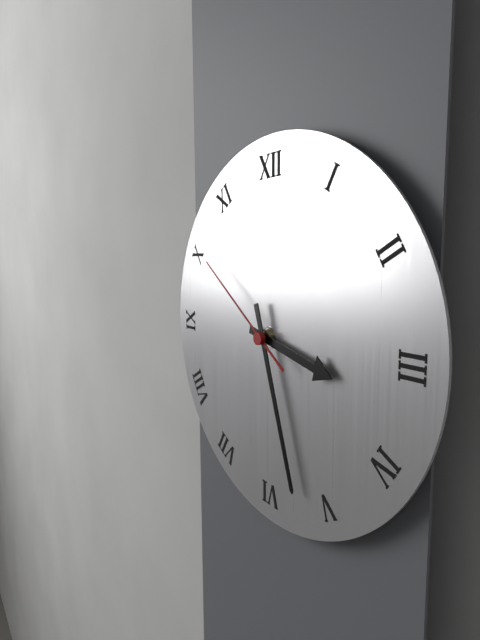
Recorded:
**3:27:51**
